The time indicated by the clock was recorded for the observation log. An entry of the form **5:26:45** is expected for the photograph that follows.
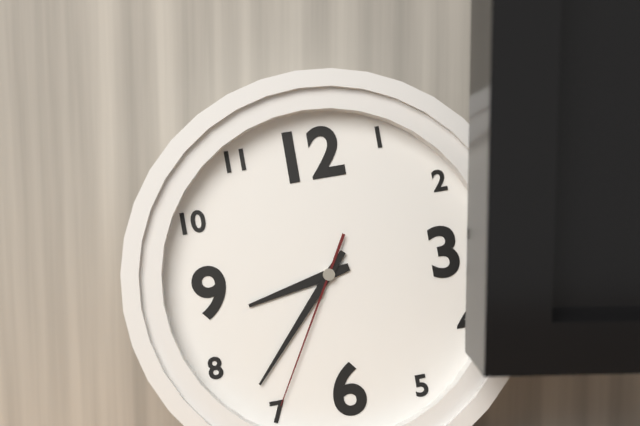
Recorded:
**8:37:35**
